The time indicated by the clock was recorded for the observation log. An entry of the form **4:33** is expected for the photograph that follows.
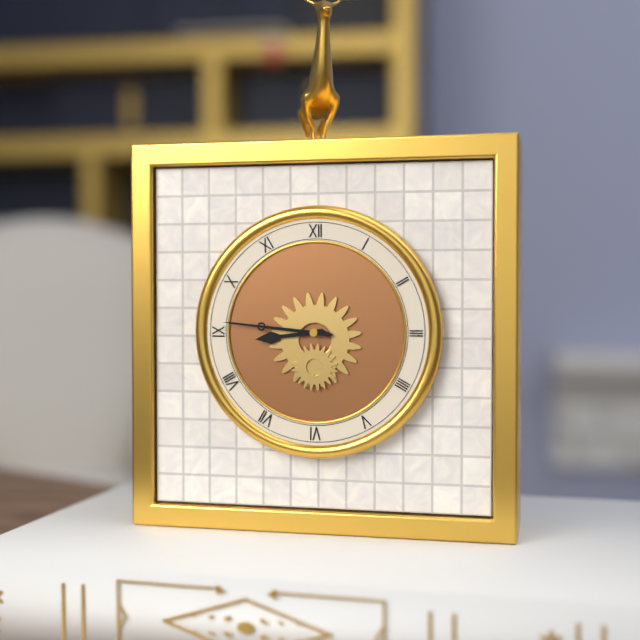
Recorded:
**8:46**
